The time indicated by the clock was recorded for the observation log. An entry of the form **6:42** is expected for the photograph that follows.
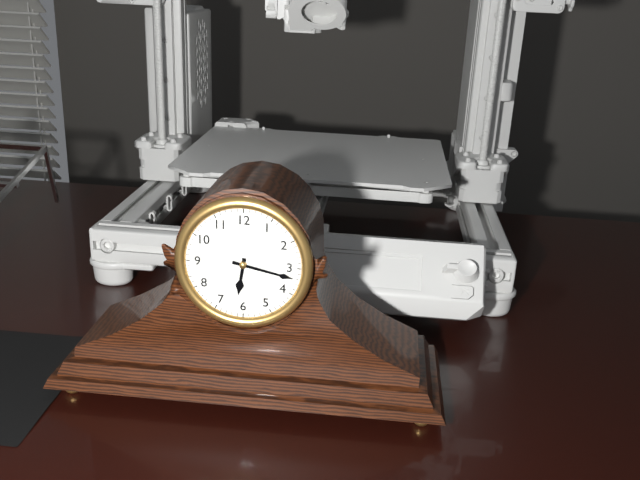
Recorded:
**6:17**
